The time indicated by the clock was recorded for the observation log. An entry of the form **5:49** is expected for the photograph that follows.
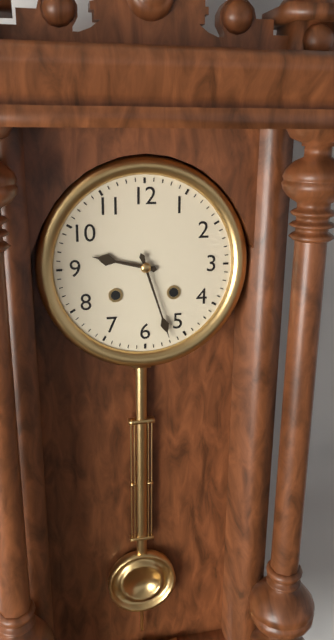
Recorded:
**9:27**
